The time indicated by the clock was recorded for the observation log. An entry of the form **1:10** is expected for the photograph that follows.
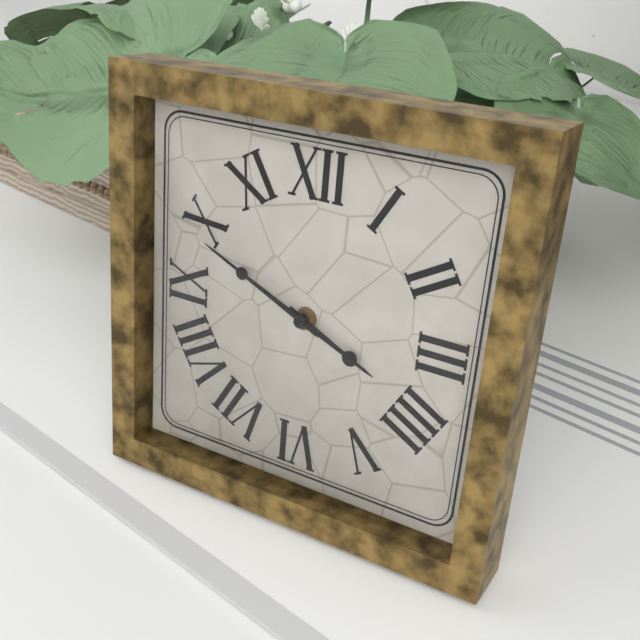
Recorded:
**3:49**
